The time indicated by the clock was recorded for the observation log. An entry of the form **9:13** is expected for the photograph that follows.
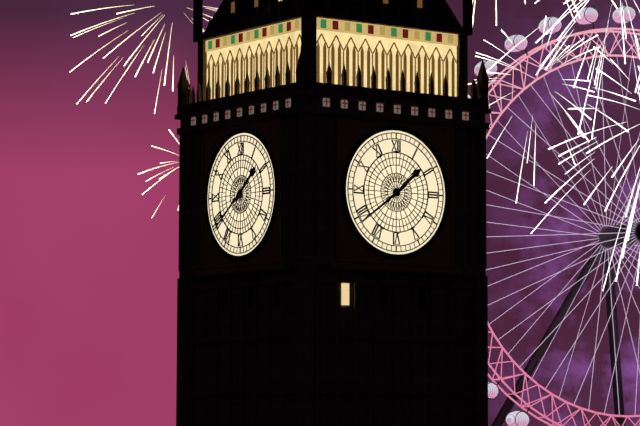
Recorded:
**1:39**
